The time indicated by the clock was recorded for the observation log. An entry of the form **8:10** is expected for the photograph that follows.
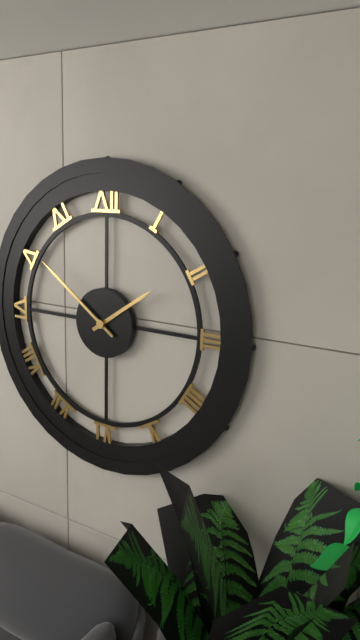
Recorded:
**1:51**
